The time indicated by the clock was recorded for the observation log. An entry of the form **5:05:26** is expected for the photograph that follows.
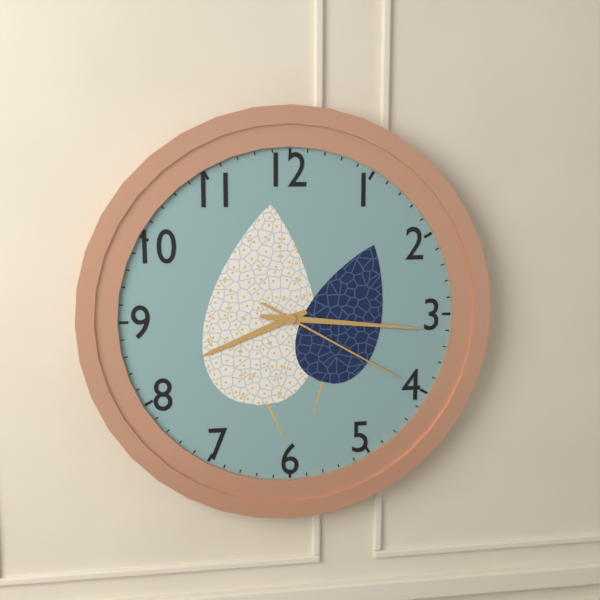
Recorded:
**8:16:20**
